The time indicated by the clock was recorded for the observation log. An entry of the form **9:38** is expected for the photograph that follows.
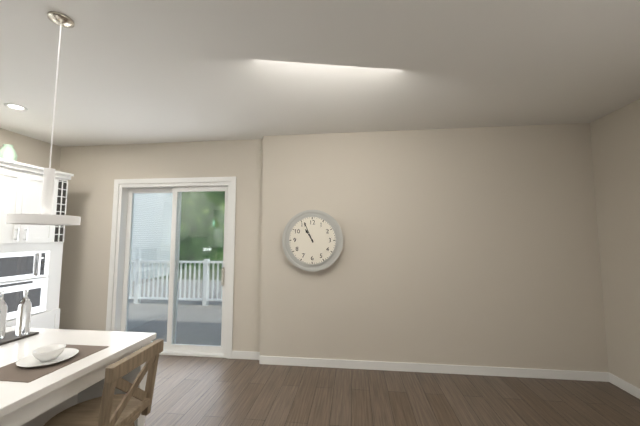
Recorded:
**10:56**
